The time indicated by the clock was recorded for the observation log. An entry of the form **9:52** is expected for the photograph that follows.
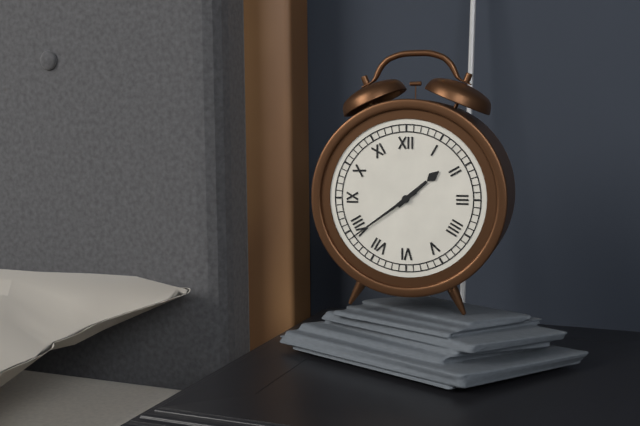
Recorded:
**1:39**
